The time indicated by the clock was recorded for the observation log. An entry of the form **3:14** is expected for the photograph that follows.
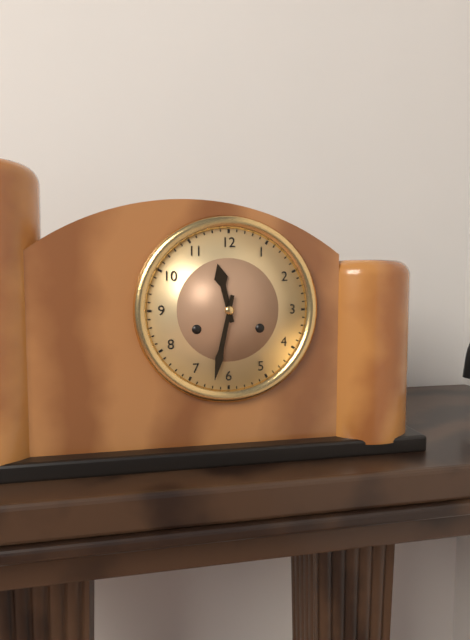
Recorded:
**11:32**
